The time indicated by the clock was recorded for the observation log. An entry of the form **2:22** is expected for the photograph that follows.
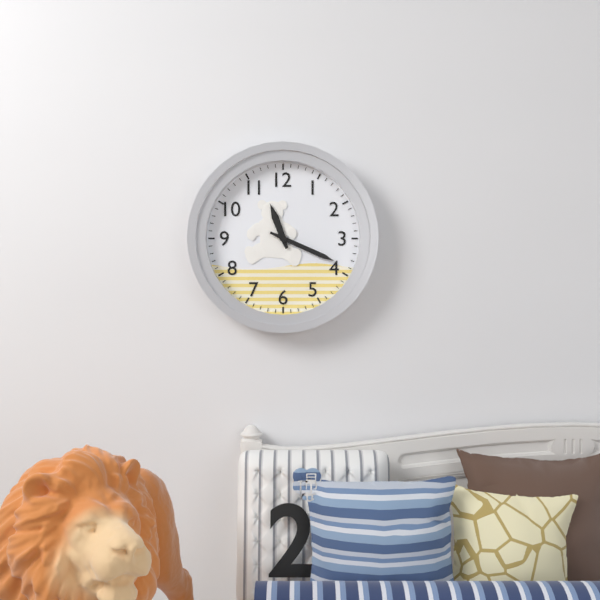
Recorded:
**11:19**
